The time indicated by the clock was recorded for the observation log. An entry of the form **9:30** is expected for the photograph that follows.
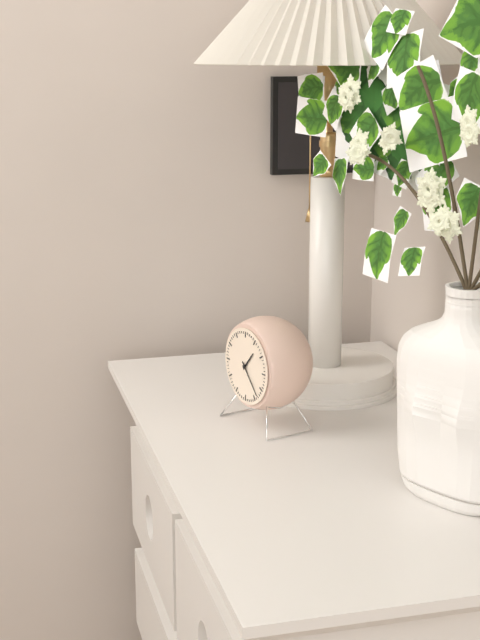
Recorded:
**1:23**
